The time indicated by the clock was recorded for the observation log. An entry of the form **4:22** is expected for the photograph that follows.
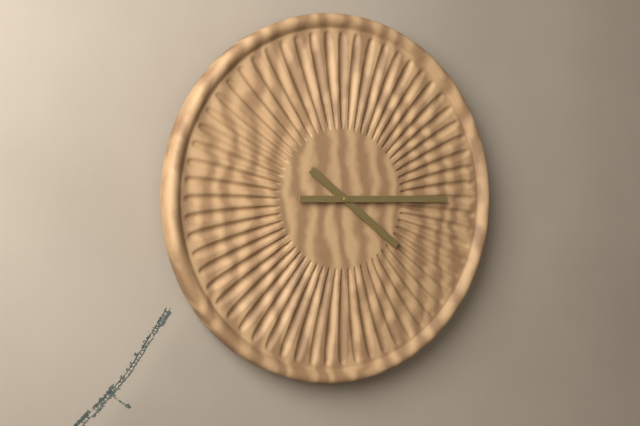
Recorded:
**4:15**
